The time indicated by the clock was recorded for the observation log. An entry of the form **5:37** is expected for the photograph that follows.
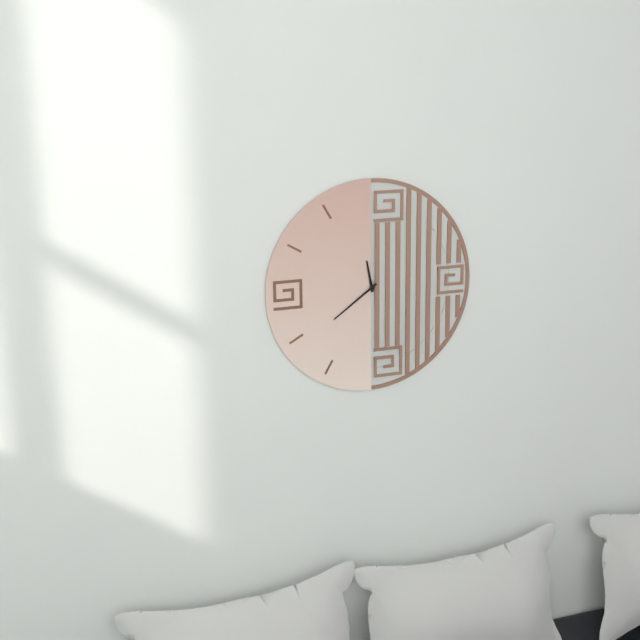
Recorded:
**11:39**
